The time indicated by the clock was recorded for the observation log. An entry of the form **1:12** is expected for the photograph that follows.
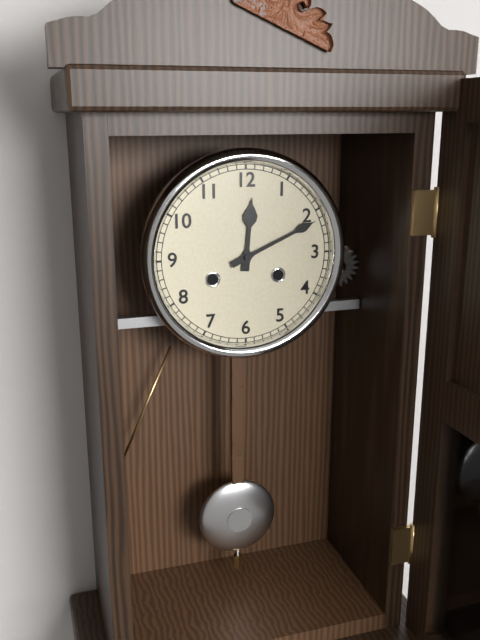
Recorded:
**12:11**
